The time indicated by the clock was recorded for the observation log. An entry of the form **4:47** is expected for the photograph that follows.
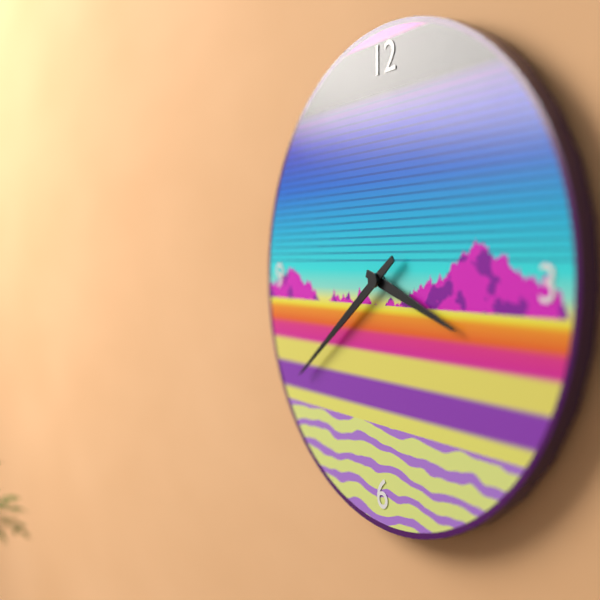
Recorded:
**3:39**
